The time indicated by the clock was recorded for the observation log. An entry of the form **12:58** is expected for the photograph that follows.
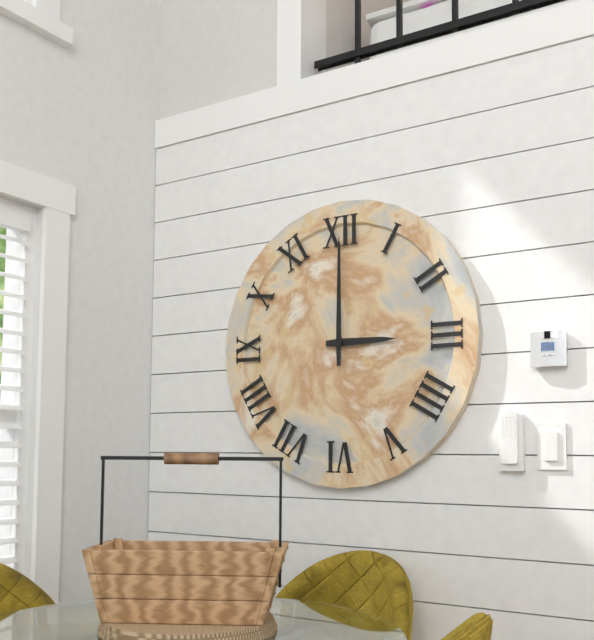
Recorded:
**3:00**
